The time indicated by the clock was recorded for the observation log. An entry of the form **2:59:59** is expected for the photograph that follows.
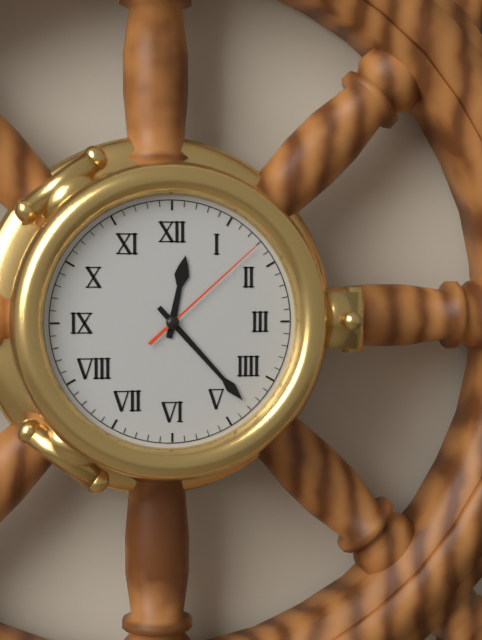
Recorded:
**12:23:08**
